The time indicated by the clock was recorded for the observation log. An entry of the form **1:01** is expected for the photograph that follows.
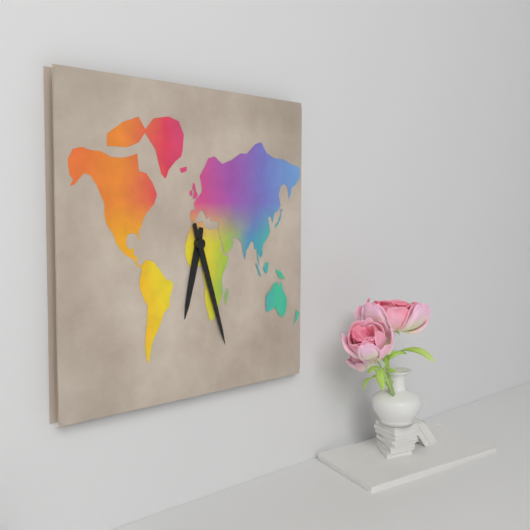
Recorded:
**6:27**
